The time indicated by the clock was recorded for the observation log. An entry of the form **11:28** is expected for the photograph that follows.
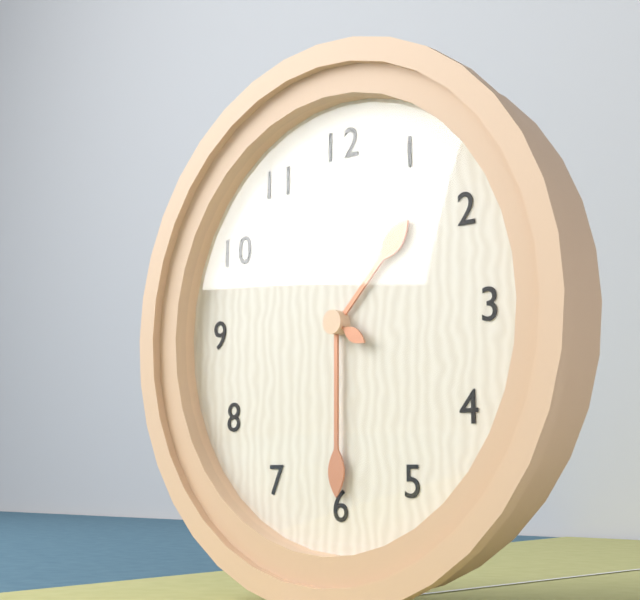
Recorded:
**1:30**
